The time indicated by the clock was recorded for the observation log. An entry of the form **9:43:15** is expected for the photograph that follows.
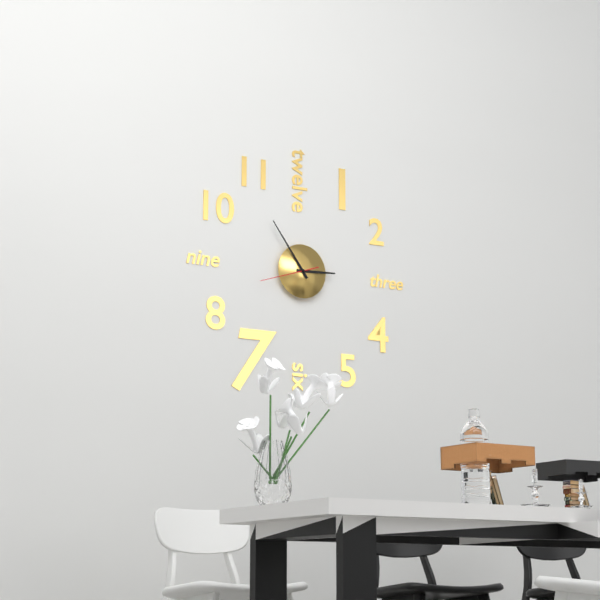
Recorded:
**2:54:42**
